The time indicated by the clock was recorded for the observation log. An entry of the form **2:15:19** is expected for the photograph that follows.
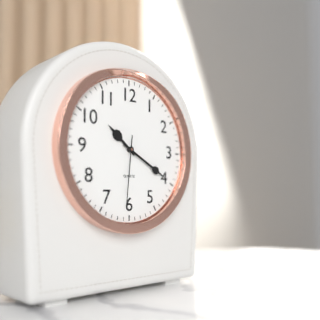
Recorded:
**10:20:31**
